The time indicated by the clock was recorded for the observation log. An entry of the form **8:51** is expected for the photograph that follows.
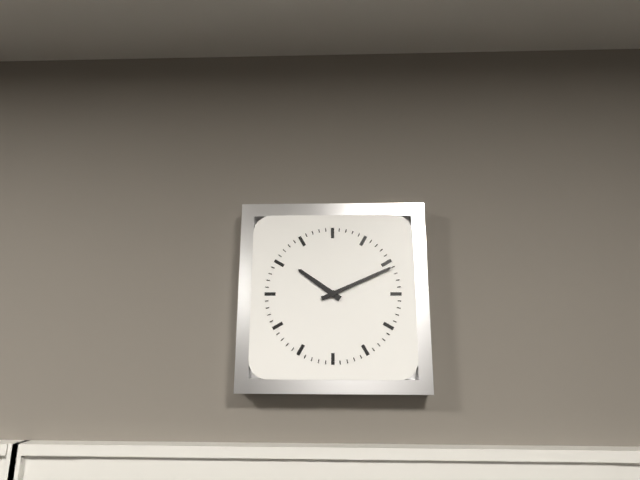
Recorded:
**10:11**
